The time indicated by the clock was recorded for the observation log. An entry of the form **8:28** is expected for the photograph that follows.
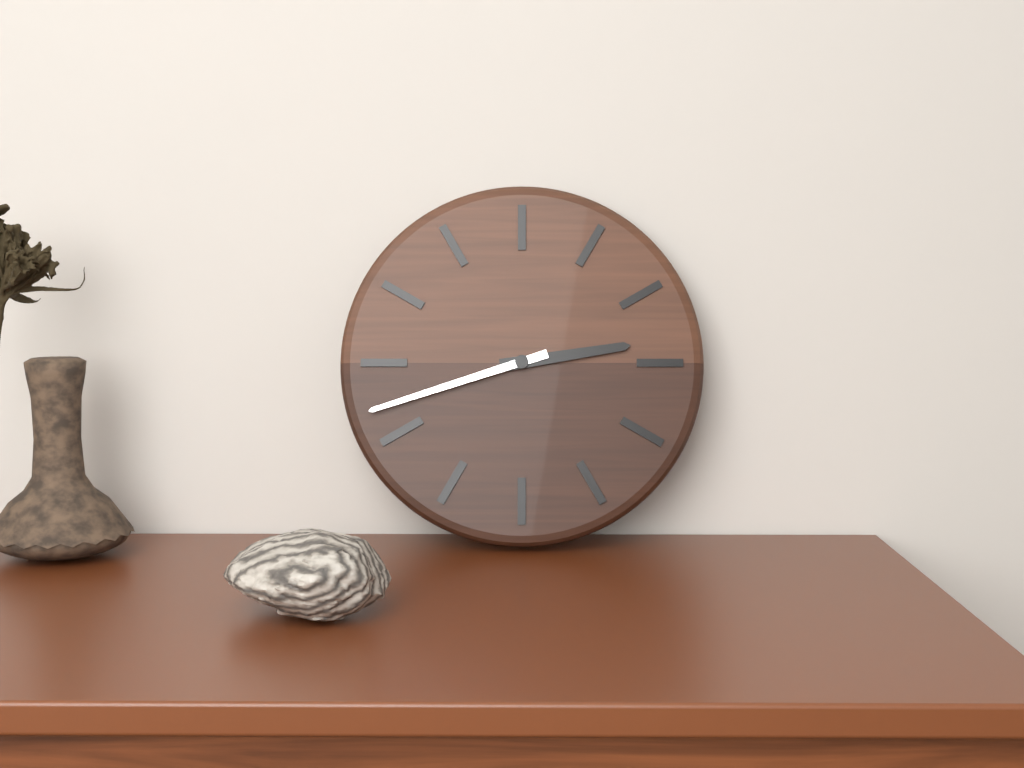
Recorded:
**2:42**
